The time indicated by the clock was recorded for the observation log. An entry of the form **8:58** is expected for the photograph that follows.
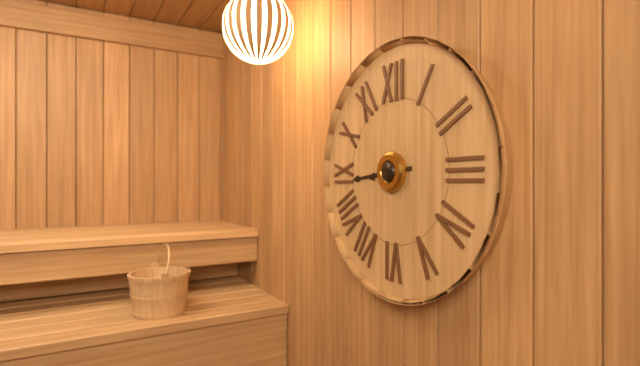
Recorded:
**8:44**
